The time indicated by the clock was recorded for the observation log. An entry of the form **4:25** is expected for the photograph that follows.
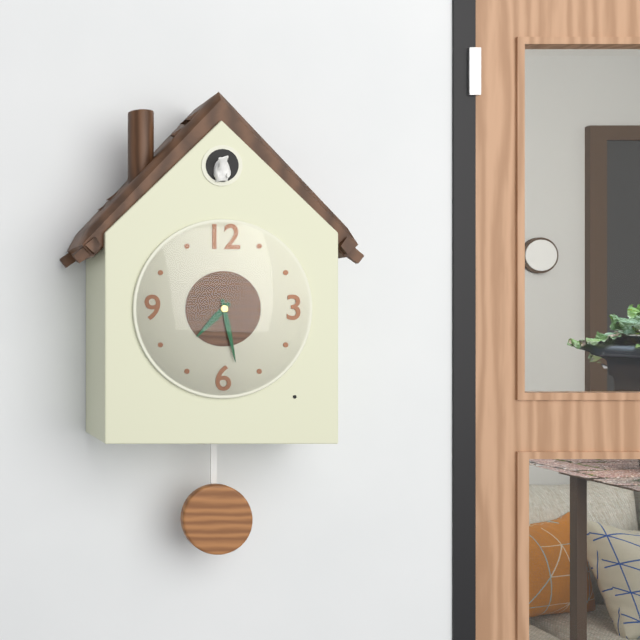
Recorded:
**7:28**
